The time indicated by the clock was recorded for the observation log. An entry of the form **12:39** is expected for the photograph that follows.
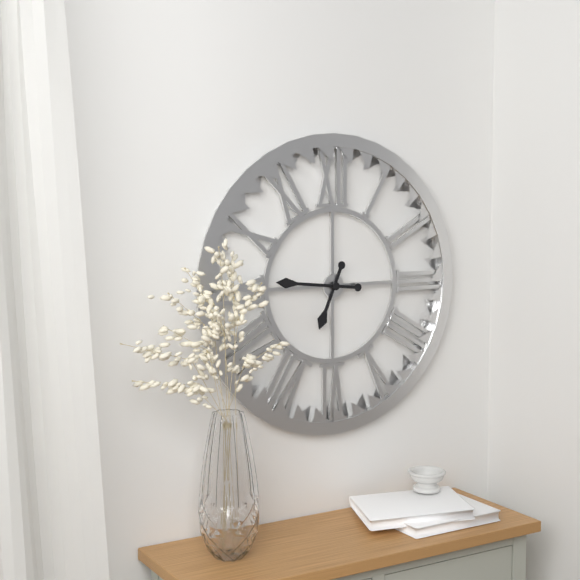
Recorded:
**6:46**
